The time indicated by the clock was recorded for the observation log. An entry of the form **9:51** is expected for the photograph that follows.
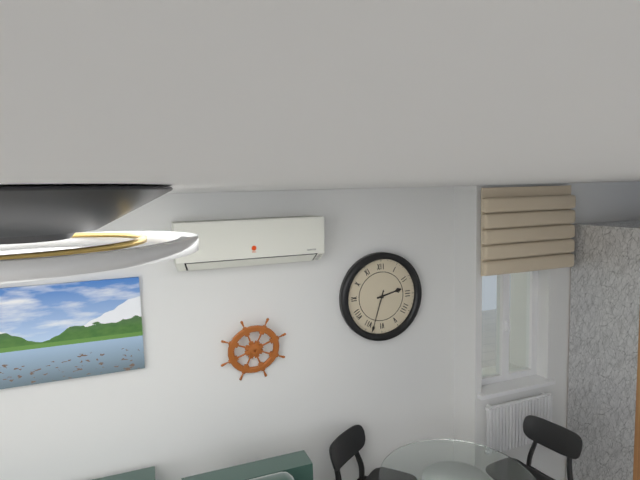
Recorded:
**2:33**
